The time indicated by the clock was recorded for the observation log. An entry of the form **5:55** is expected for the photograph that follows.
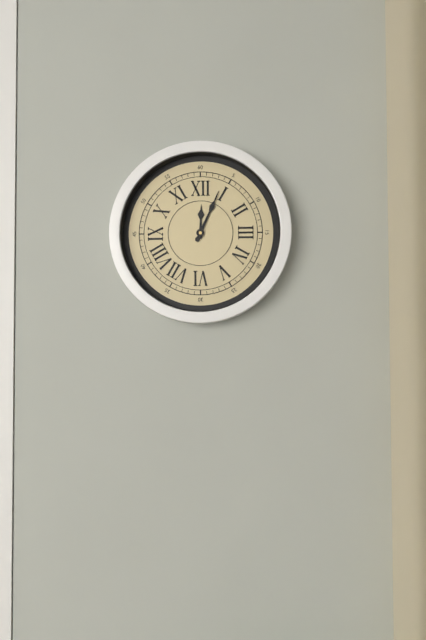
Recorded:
**12:04**
